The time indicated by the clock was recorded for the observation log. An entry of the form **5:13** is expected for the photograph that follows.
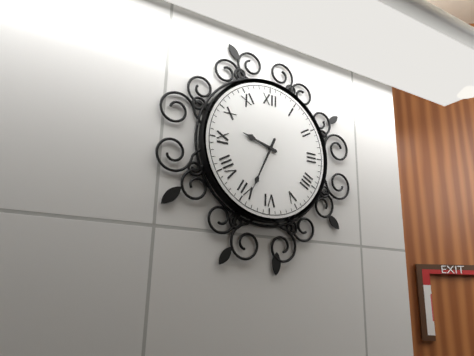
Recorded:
**9:34**
